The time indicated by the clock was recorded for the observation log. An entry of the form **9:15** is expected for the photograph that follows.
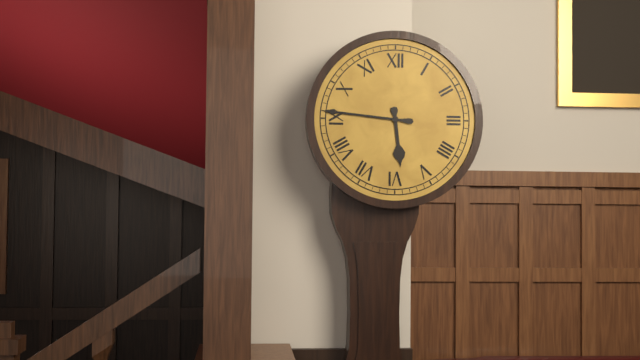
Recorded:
**5:46**
